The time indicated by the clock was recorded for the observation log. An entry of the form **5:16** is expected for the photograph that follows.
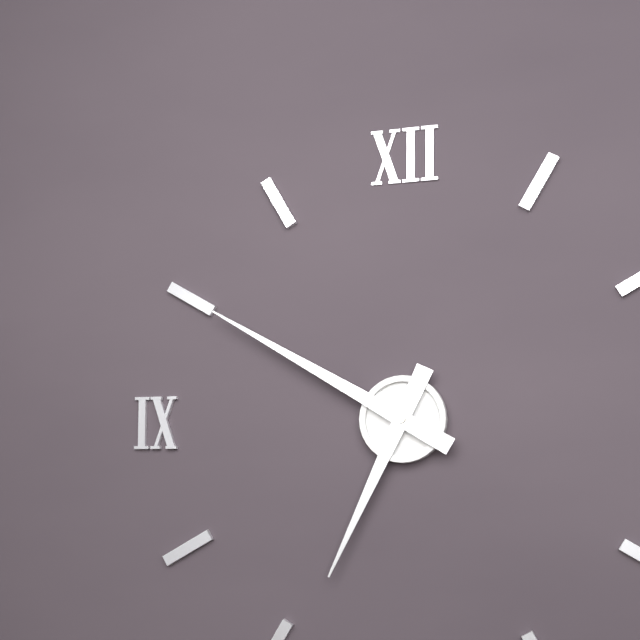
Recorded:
**6:50**
